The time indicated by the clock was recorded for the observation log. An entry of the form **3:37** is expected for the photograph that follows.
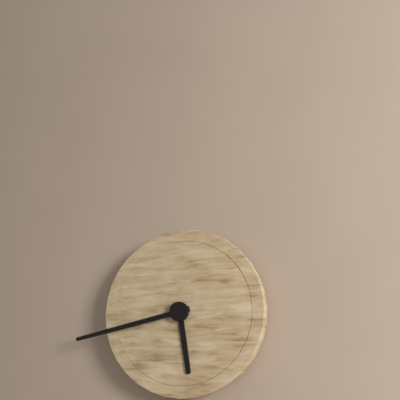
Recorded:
**5:43**
